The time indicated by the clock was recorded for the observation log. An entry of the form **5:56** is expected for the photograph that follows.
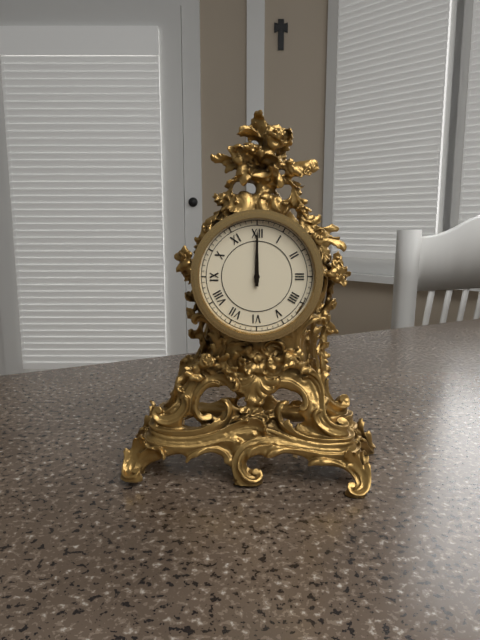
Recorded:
**12:00**
